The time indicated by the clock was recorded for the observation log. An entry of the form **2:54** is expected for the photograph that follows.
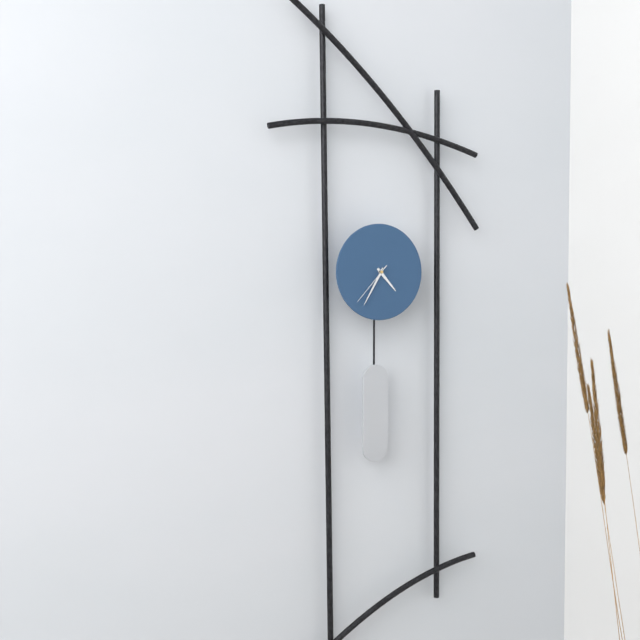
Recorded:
**4:35**
